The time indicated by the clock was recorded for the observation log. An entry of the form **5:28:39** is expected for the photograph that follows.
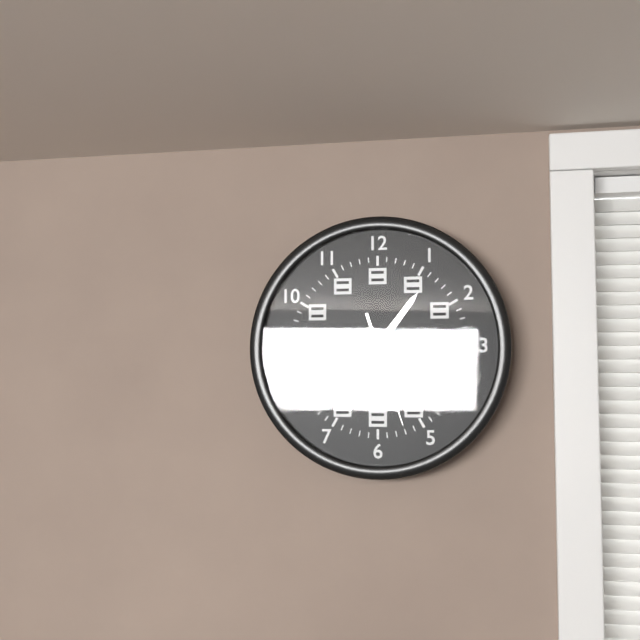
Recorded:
**1:14:27**
